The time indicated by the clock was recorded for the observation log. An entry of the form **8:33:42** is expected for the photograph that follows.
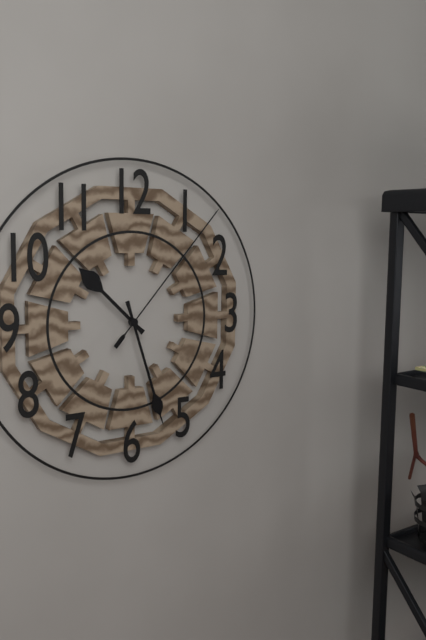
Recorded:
**10:27:07**
